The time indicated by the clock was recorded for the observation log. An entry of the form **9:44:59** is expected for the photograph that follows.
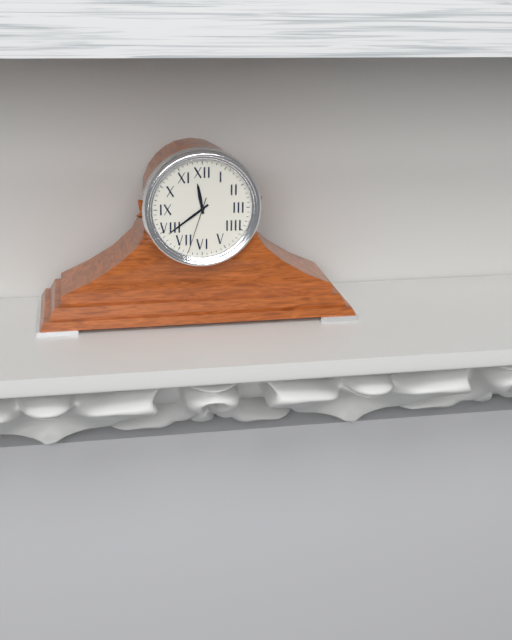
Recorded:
**11:39:33**
